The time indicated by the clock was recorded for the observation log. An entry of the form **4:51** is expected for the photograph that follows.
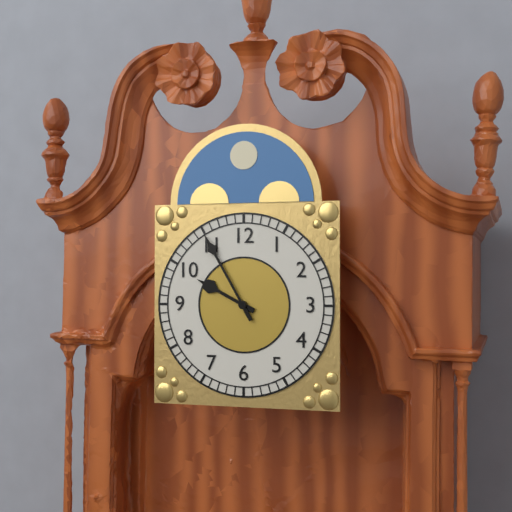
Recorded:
**9:55**
